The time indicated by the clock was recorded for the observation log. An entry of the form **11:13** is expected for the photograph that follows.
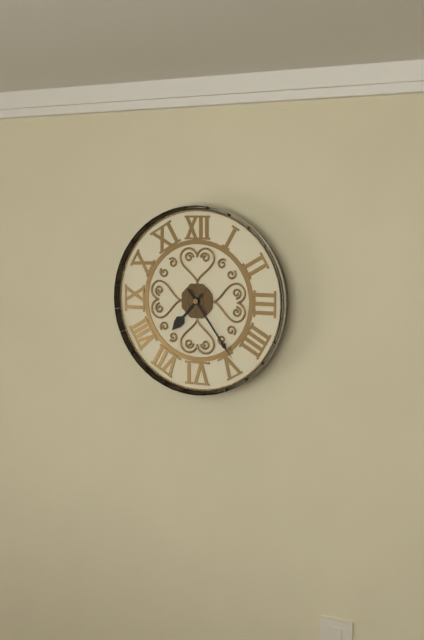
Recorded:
**7:24**
